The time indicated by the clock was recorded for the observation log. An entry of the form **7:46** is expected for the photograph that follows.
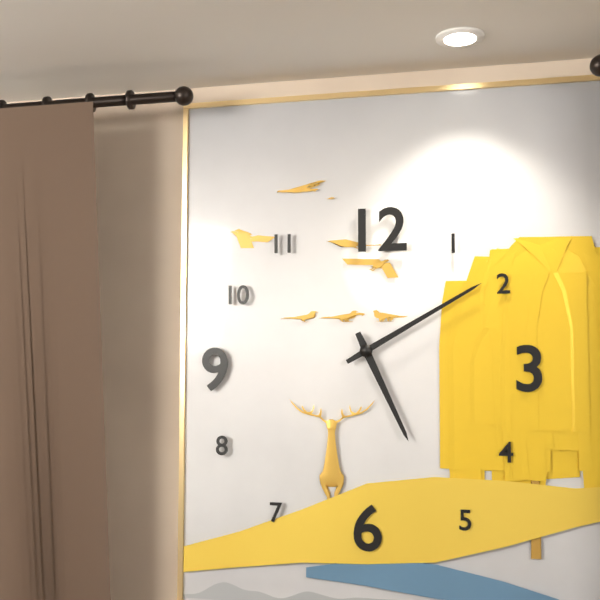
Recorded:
**5:10**
